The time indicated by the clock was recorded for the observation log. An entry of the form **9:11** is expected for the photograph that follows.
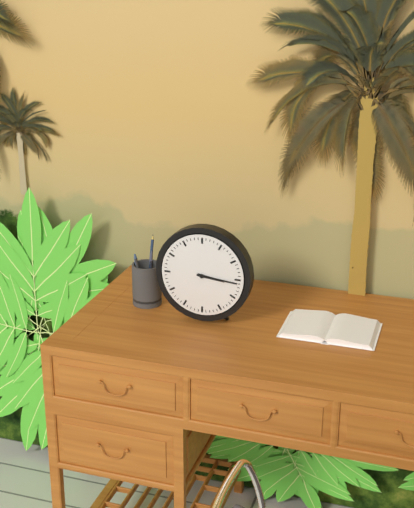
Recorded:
**3:16**
